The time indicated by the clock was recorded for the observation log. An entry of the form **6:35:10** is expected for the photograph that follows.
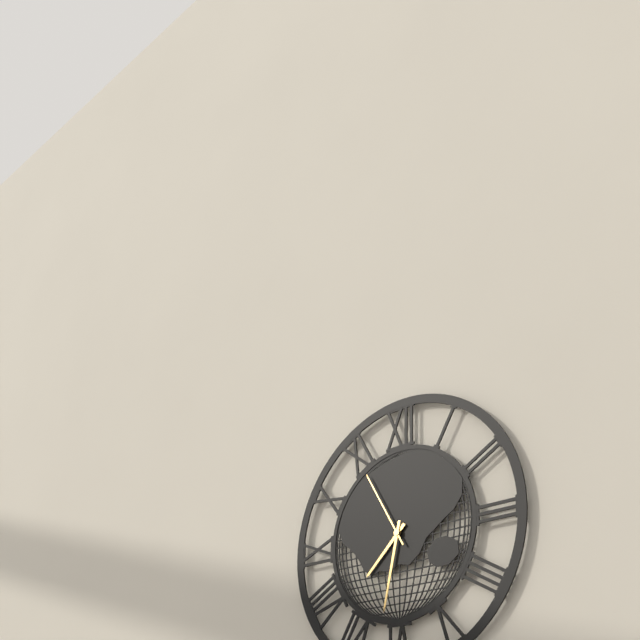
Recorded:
**7:32:55**
